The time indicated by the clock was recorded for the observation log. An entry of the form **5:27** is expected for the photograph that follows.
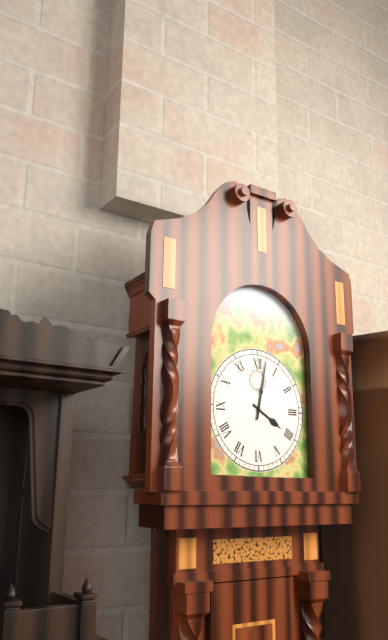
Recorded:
**4:02**
